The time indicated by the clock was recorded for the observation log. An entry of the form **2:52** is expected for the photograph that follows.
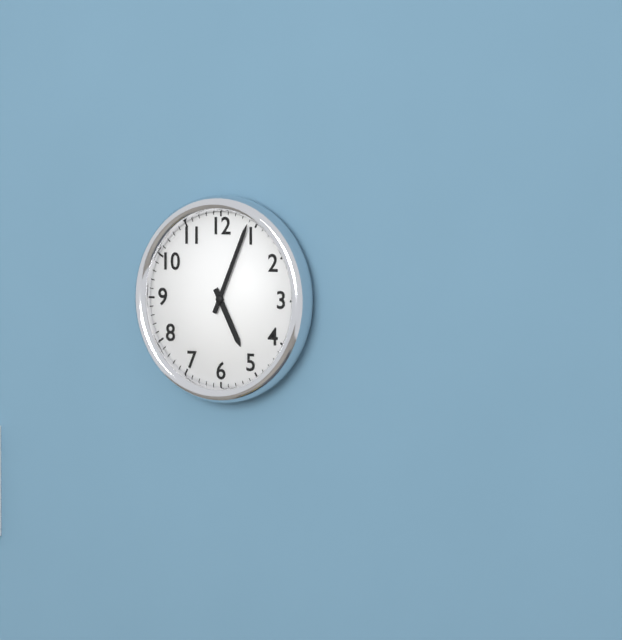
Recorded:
**5:04**
